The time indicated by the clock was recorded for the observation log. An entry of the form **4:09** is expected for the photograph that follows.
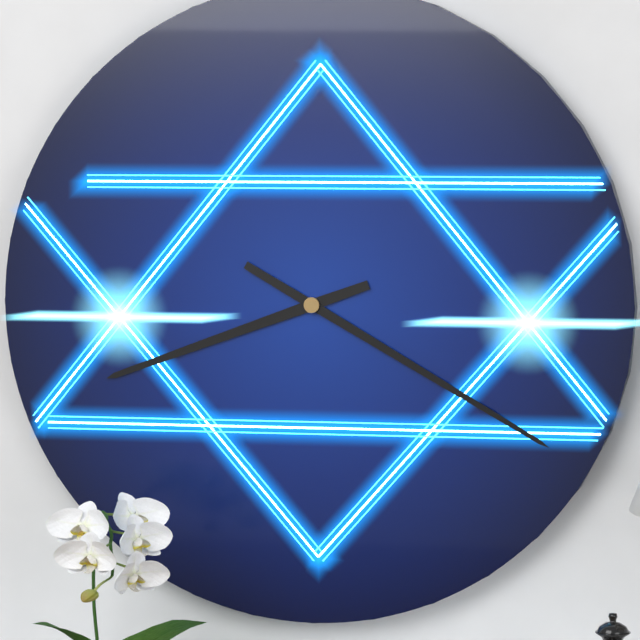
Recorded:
**8:20**
